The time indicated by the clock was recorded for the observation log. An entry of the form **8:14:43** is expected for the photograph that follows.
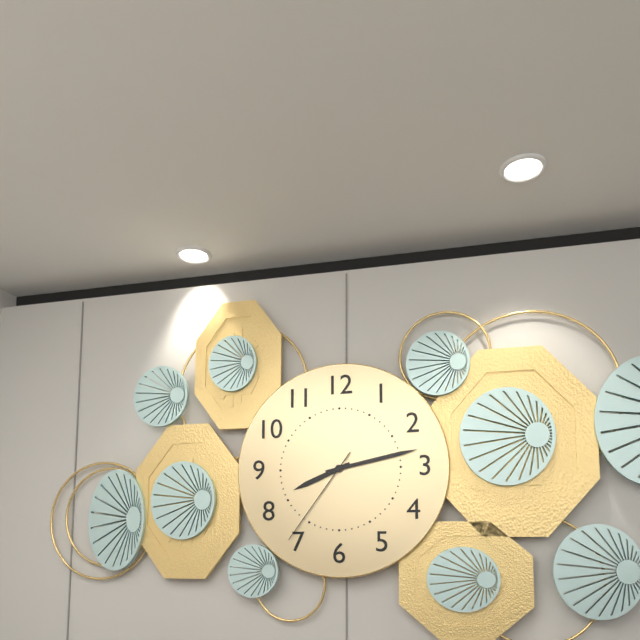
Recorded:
**8:13:36**
